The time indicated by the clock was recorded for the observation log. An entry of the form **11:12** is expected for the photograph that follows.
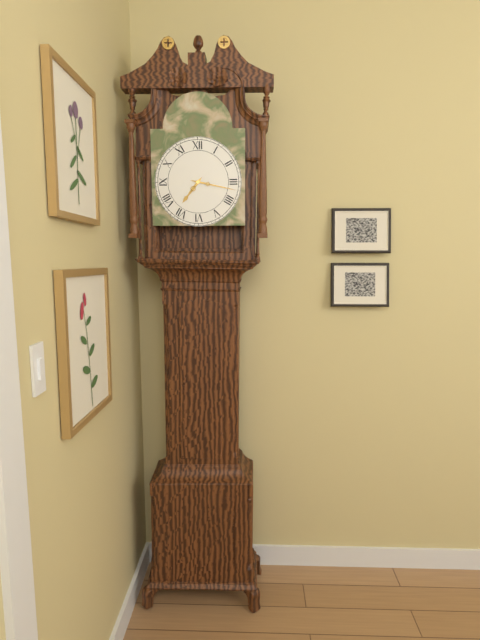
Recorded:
**7:17**
